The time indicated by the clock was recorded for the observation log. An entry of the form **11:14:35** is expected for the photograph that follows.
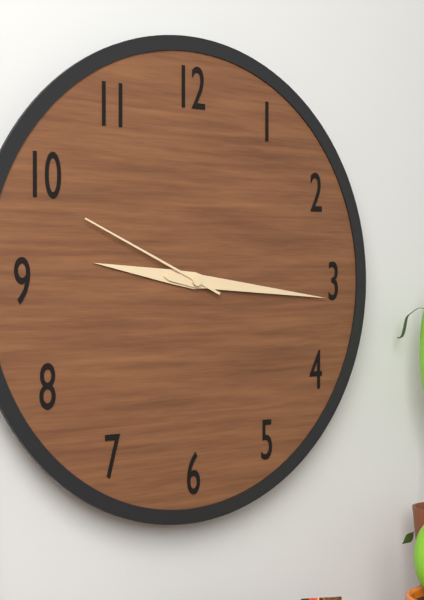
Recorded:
**9:16:49**
